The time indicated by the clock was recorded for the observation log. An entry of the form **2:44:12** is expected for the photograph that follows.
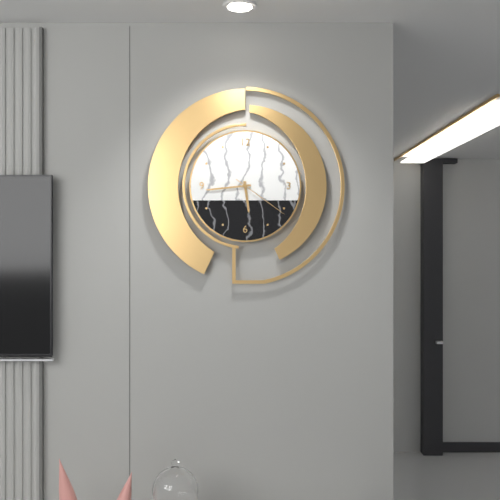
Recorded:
**5:44:21**
